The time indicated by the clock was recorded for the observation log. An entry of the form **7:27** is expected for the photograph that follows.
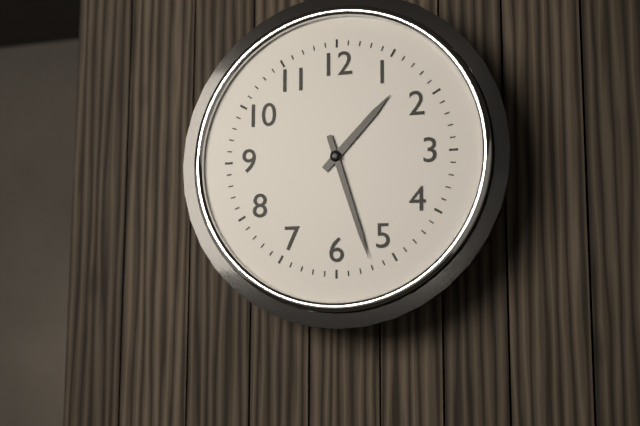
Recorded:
**1:27**
